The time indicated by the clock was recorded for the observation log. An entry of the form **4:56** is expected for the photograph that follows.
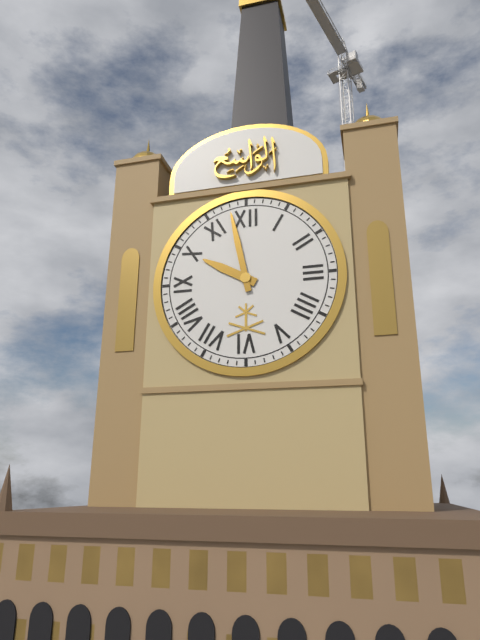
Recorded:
**9:58**
